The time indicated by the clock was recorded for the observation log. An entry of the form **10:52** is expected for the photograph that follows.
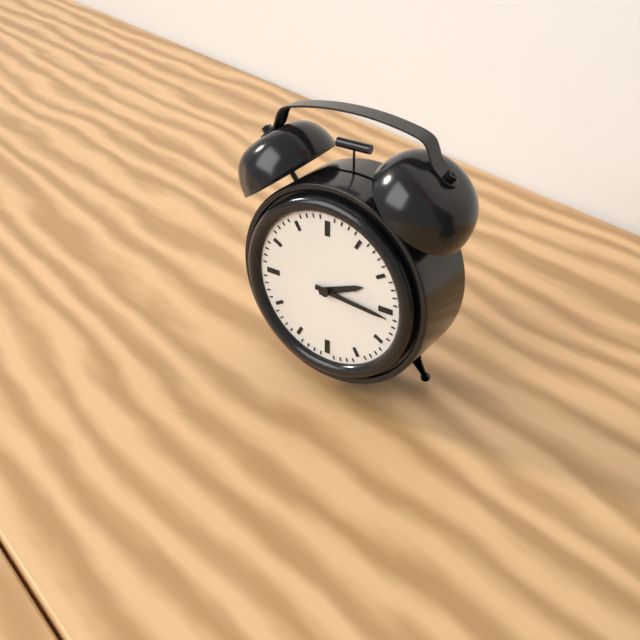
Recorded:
**2:16**
